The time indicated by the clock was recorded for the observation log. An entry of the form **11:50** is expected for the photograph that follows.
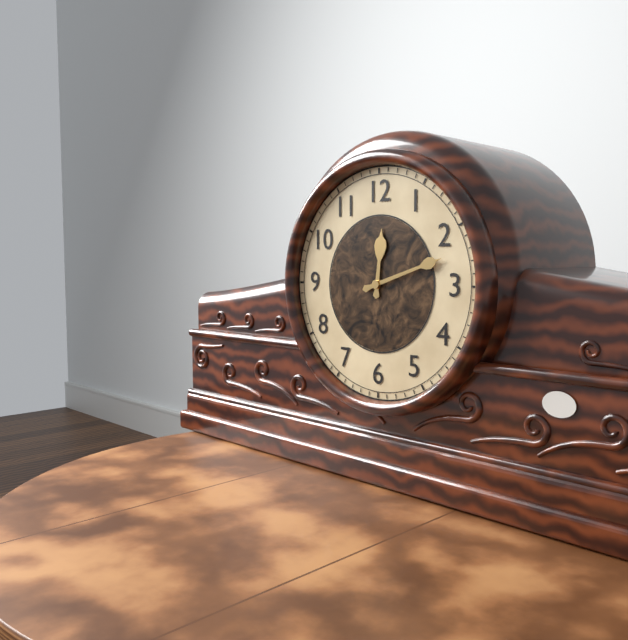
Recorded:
**12:12**
